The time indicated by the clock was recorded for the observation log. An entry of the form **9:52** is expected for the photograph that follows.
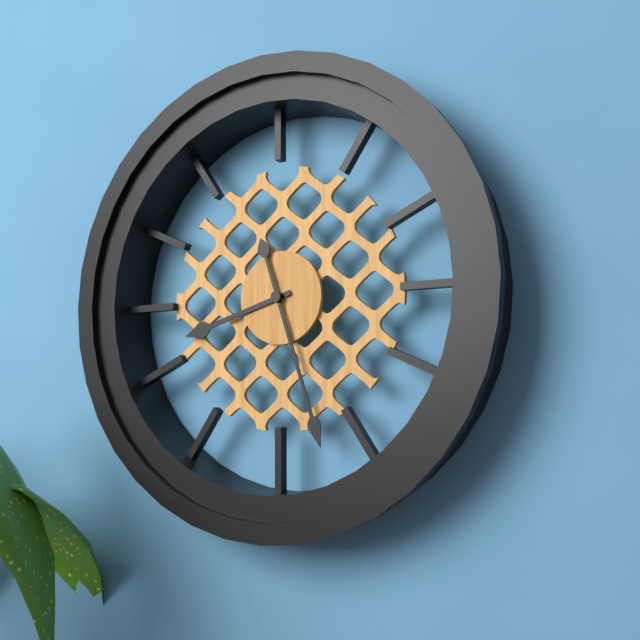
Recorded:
**8:27**
